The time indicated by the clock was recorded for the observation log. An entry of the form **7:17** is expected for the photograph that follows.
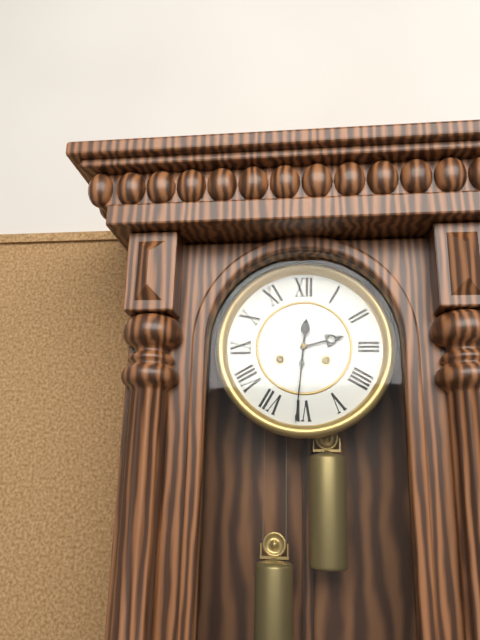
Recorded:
**2:31**
